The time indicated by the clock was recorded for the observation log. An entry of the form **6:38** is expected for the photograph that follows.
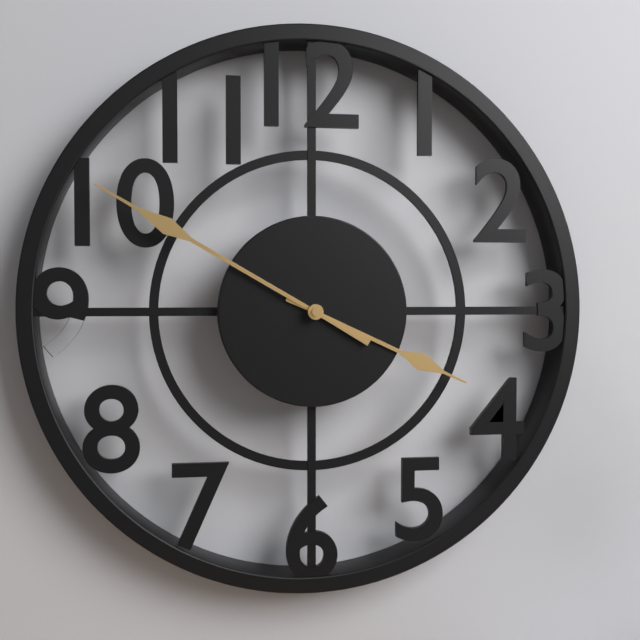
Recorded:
**3:50**
